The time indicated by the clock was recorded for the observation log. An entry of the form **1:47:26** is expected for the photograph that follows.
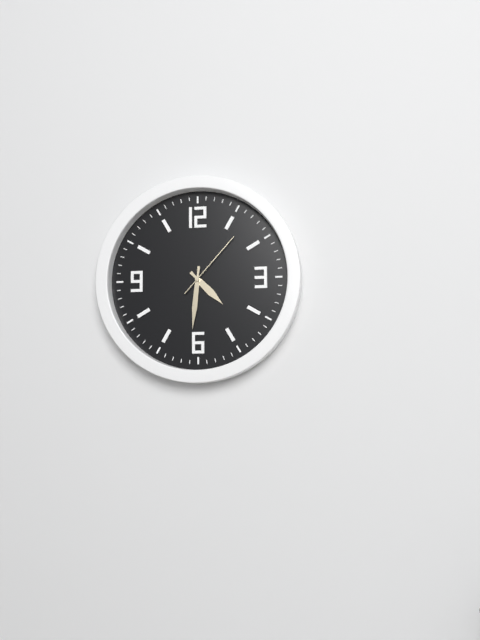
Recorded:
**4:31:07**
